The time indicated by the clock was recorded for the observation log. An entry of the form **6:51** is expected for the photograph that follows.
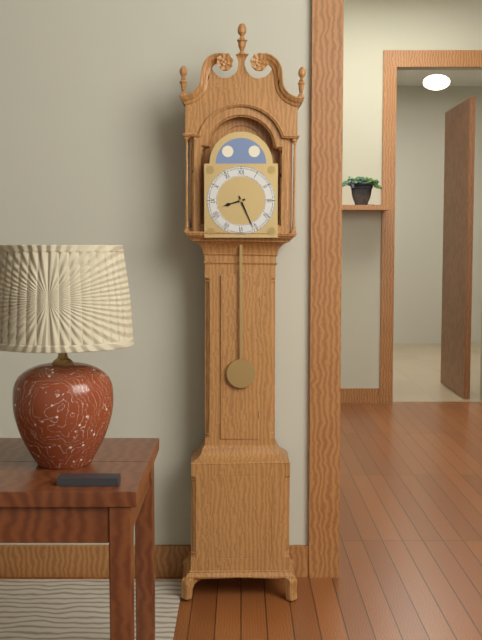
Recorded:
**8:26**
